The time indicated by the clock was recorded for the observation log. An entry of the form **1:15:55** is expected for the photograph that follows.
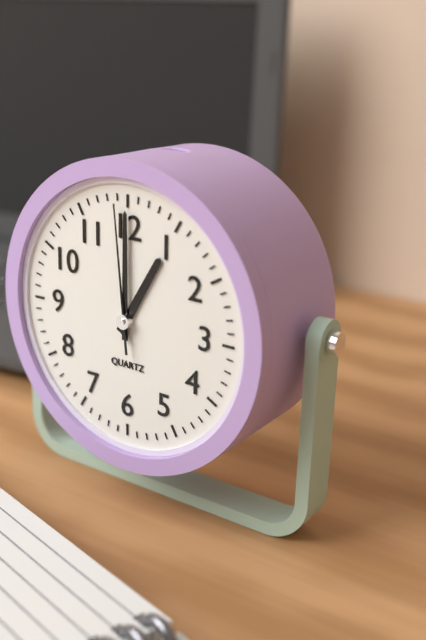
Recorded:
**1:00:59**
